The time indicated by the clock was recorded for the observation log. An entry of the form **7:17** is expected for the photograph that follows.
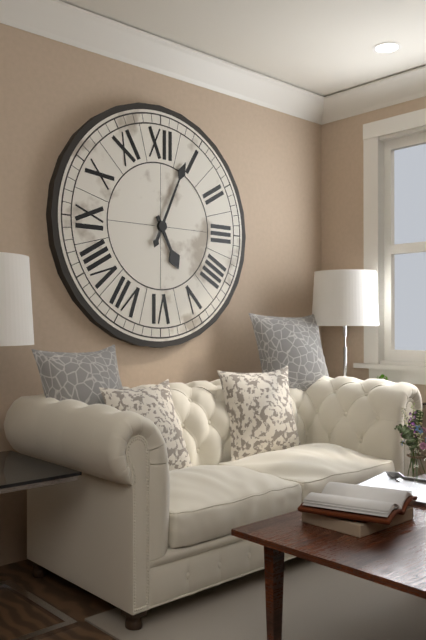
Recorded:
**5:04**
